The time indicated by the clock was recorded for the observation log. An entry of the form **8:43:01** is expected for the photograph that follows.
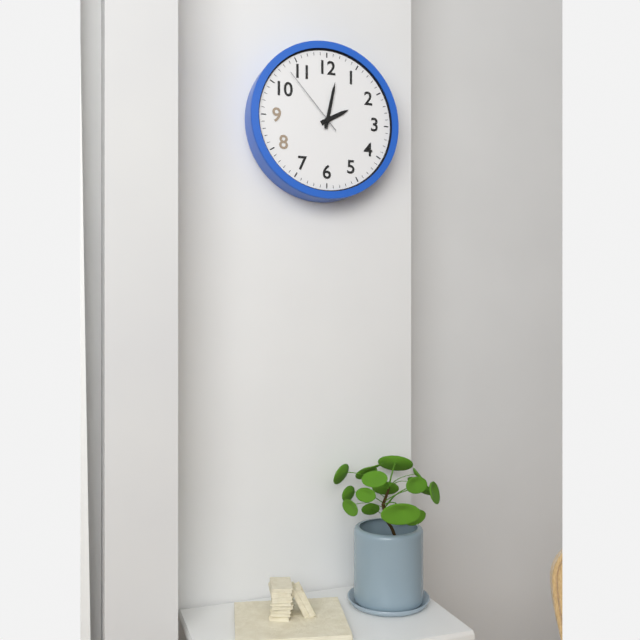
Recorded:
**2:02:53**
